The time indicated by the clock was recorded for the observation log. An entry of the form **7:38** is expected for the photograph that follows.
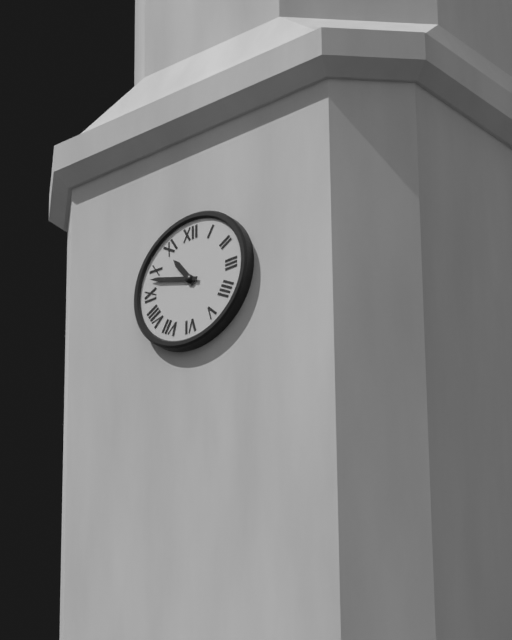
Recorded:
**10:48**
